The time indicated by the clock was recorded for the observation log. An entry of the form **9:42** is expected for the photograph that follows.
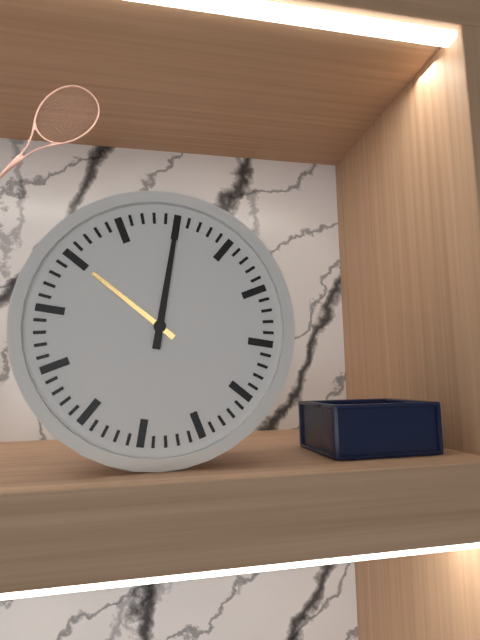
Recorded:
**10:00**
